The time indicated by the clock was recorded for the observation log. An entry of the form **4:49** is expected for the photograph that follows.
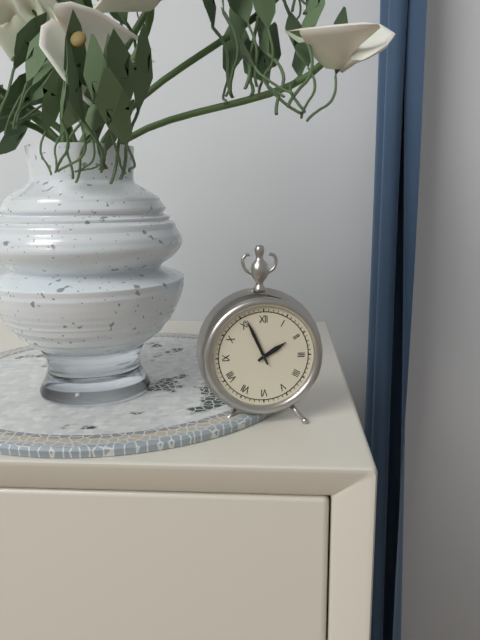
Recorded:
**1:56**
